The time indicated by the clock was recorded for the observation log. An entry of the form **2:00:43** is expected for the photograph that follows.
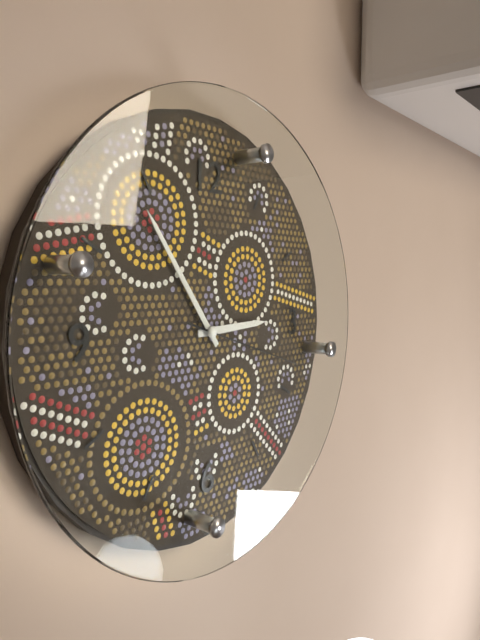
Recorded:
**2:54:18**
